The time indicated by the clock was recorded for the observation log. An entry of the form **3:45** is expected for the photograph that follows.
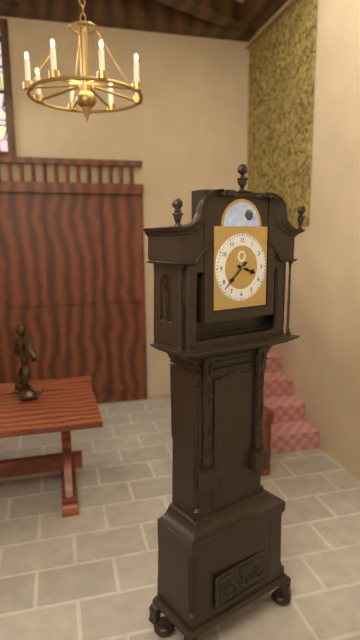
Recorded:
**3:38**
